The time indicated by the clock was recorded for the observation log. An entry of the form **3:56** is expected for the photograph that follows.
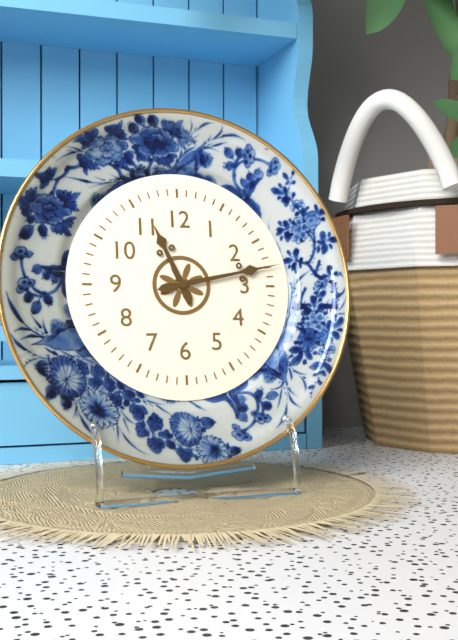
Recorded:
**11:13**
